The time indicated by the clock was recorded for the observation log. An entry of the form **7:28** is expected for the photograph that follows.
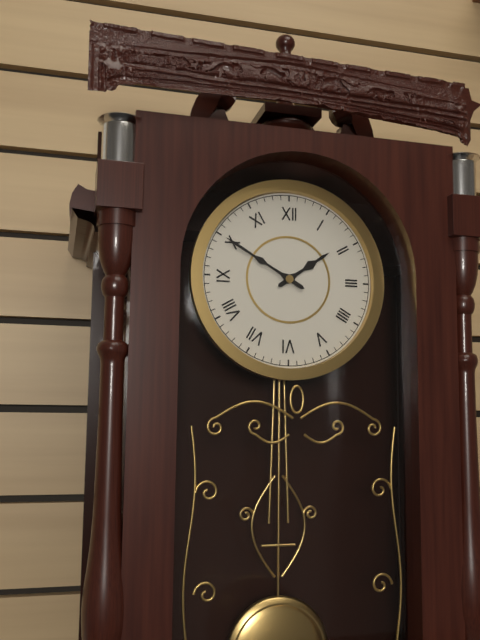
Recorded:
**1:50**
